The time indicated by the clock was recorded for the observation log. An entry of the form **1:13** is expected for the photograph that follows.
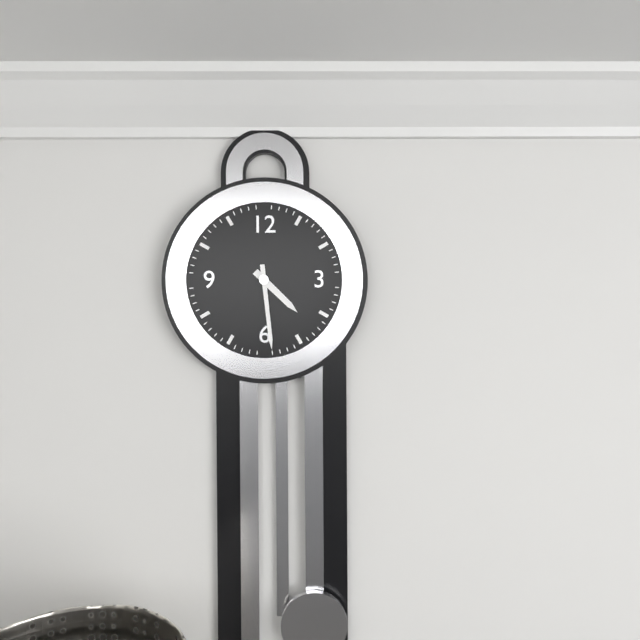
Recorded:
**4:29**
